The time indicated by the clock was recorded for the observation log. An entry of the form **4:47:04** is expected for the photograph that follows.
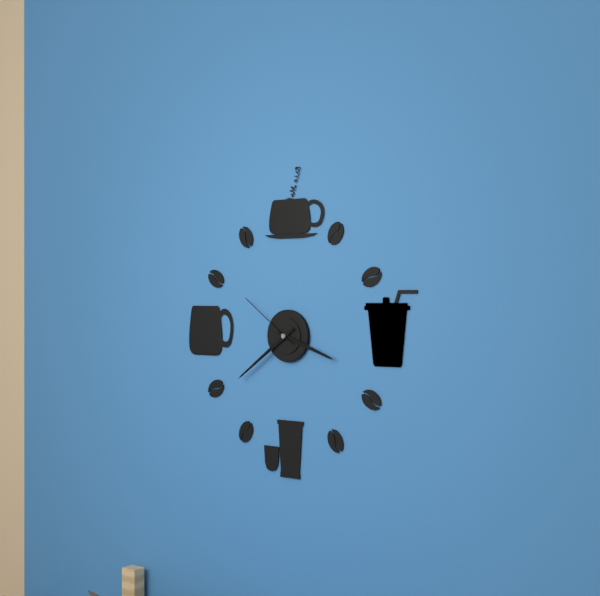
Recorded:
**3:39:51**
